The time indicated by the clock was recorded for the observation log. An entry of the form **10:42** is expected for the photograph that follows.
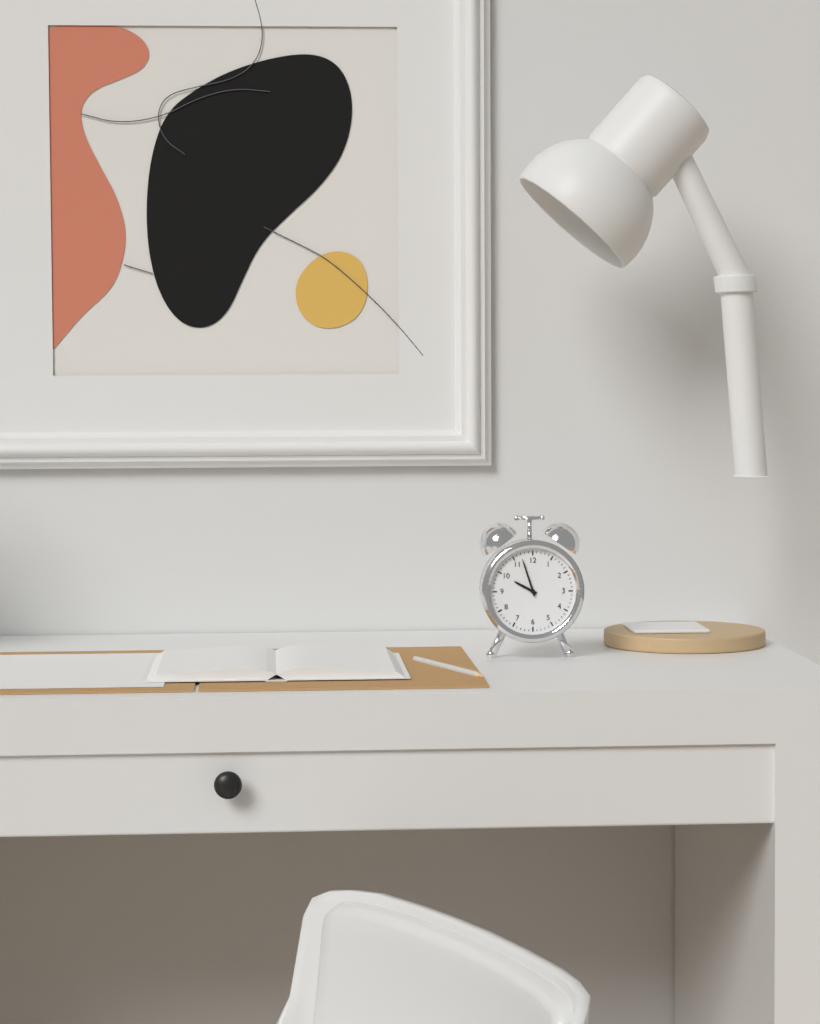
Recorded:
**9:57**
